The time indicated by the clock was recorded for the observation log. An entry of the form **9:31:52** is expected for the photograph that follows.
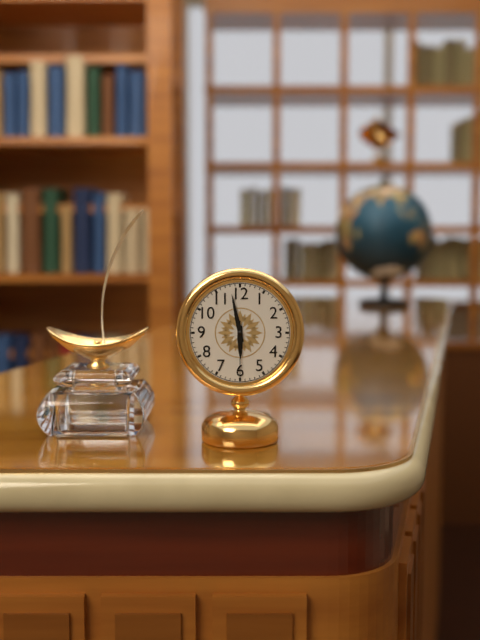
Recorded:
**5:58:30**
